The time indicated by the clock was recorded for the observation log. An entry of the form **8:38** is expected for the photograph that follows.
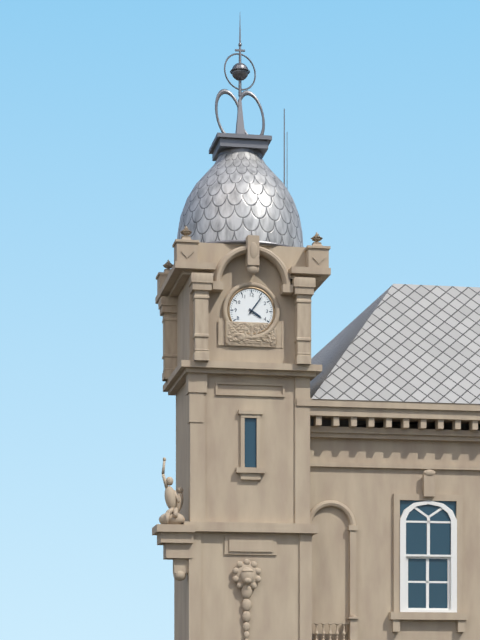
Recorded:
**4:06**
